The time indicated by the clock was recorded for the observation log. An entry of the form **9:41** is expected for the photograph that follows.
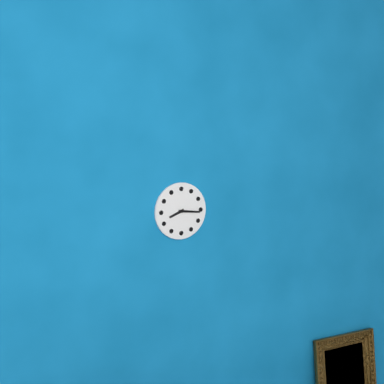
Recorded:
**8:16**
